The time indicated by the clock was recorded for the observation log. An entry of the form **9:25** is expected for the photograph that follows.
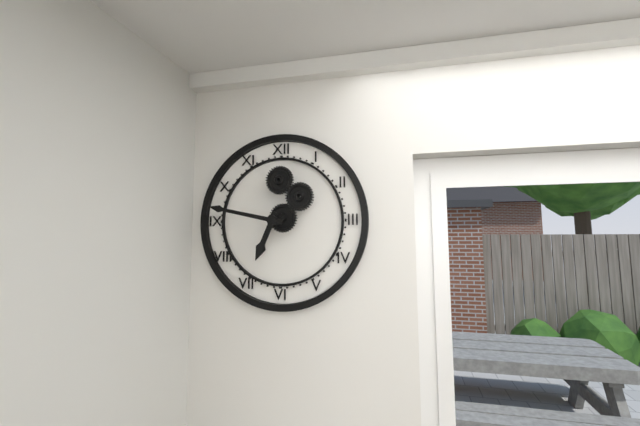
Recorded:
**6:47**
